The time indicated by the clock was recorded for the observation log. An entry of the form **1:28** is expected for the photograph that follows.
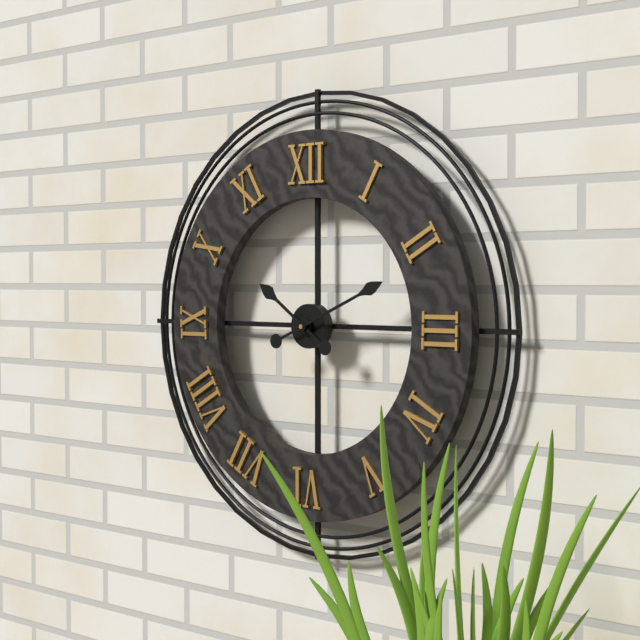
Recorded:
**10:11**
